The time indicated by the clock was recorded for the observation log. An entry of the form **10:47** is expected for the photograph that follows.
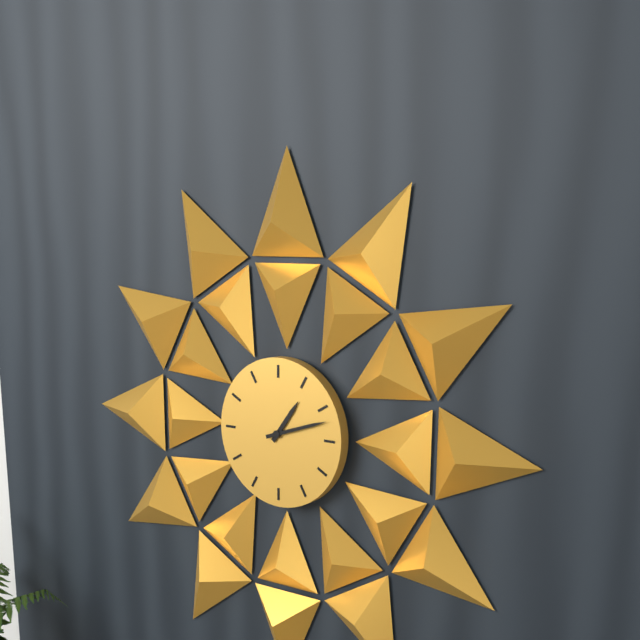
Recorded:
**1:12**
